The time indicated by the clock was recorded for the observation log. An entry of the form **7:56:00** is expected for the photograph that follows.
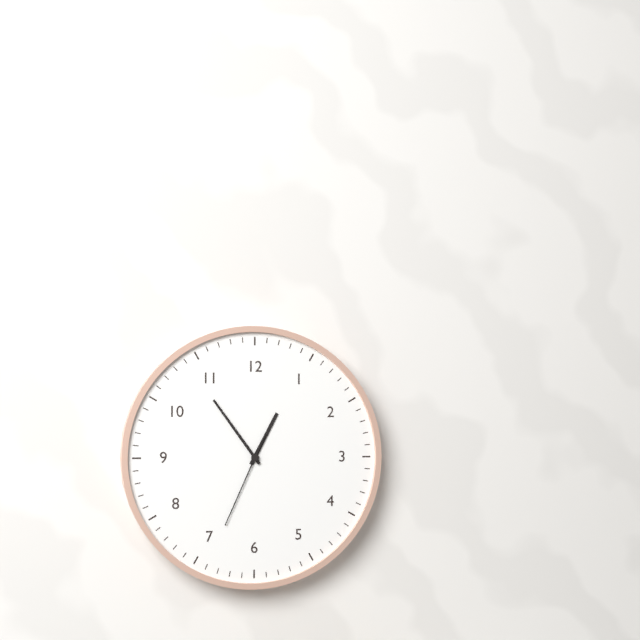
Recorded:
**12:54:34**
